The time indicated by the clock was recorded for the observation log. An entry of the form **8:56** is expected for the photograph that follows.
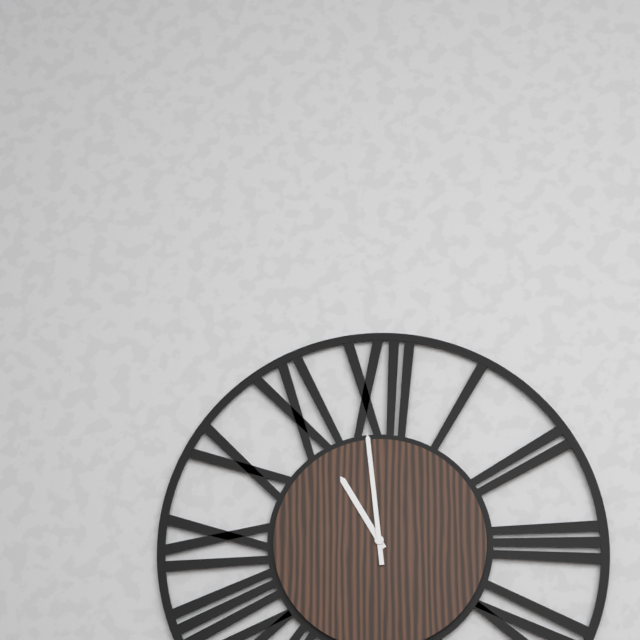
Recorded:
**10:59**
